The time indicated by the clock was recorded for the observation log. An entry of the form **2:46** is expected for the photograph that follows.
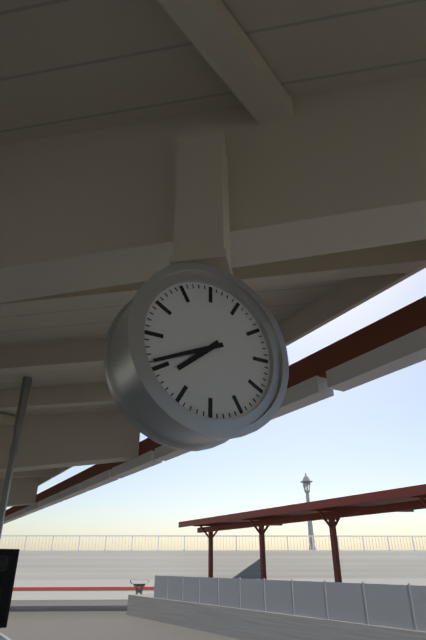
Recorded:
**7:41**
